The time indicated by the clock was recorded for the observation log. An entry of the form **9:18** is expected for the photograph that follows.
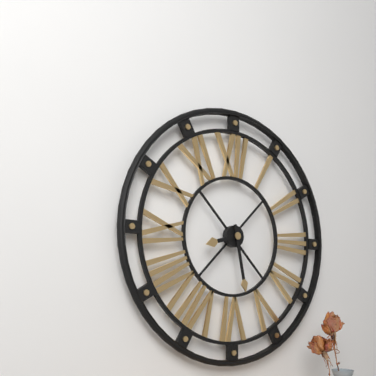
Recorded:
**8:28**
